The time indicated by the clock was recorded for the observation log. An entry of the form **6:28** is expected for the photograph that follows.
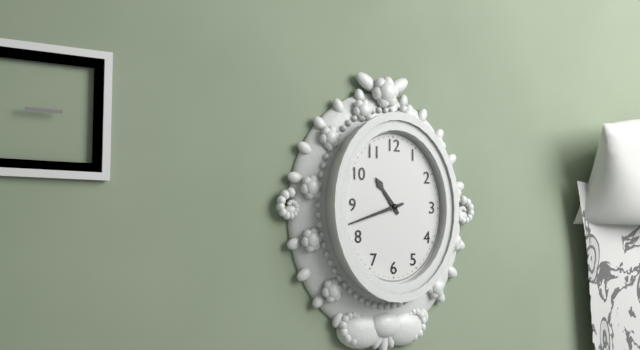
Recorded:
**10:42**
